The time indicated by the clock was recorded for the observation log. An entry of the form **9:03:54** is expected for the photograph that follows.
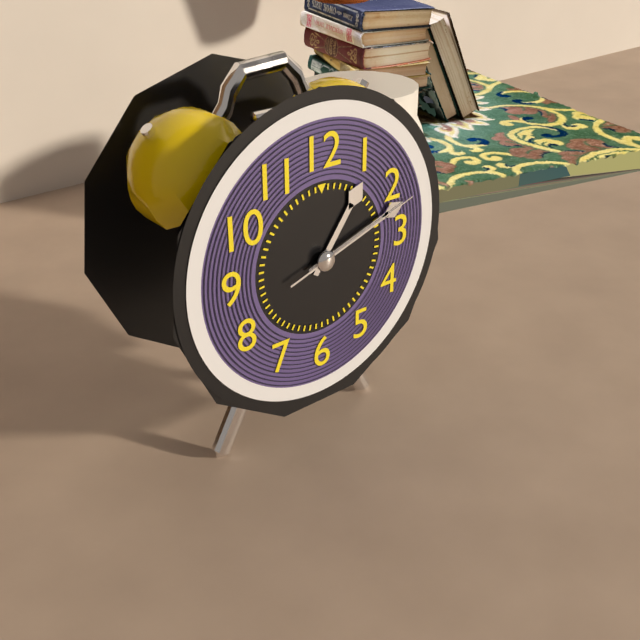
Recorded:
**1:12:12**
